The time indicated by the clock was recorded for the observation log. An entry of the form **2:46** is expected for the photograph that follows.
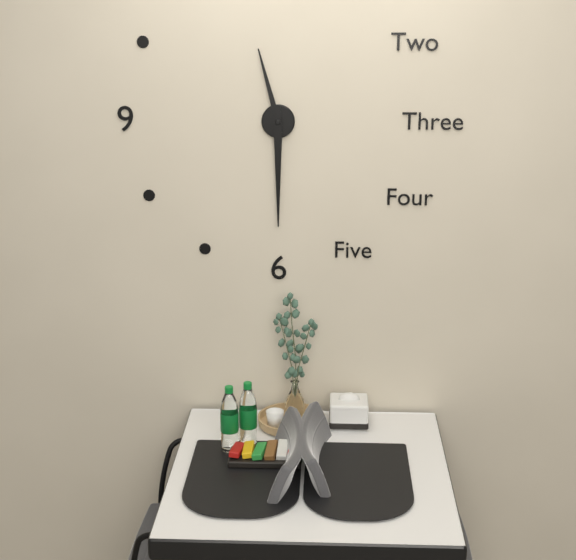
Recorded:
**11:30**
